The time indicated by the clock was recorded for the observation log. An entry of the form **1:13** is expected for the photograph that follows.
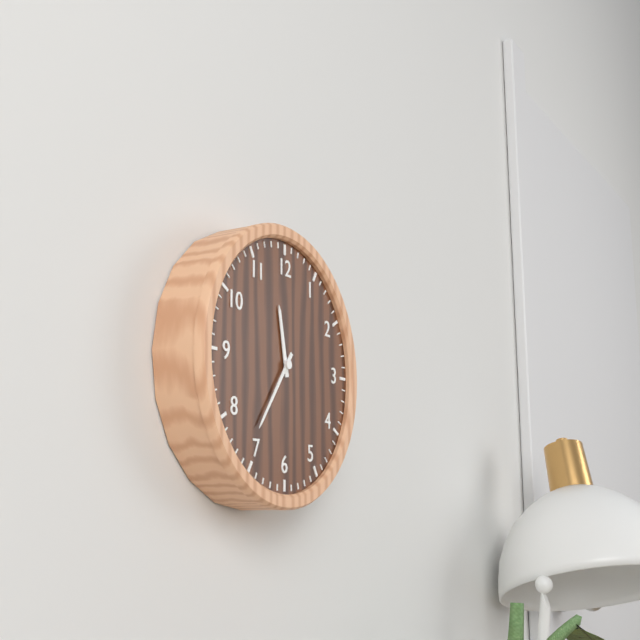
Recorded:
**11:36**
